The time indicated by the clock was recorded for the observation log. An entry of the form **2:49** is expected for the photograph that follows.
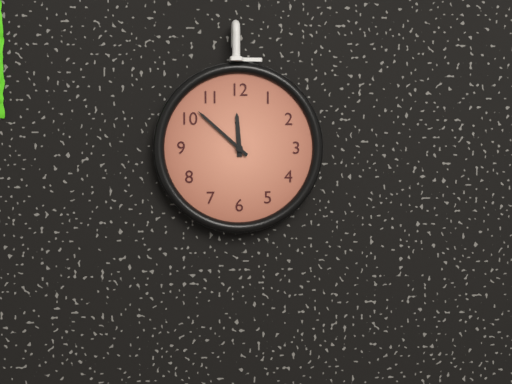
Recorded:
**11:52**
